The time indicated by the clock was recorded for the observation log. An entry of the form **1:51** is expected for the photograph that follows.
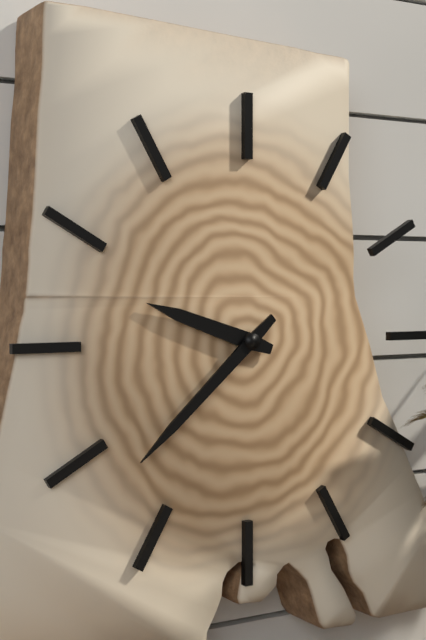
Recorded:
**9:38**
